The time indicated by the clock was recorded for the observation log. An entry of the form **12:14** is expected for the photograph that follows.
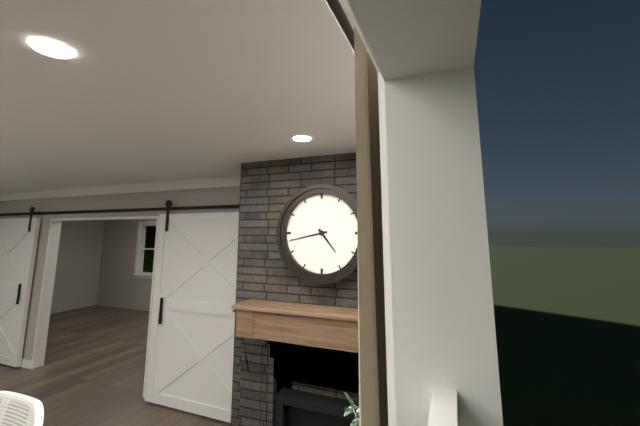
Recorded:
**4:43**
